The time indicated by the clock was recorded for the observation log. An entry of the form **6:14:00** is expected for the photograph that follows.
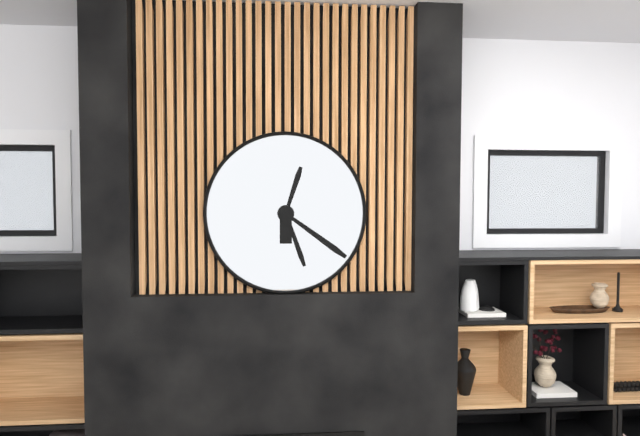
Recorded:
**5:21:03**
